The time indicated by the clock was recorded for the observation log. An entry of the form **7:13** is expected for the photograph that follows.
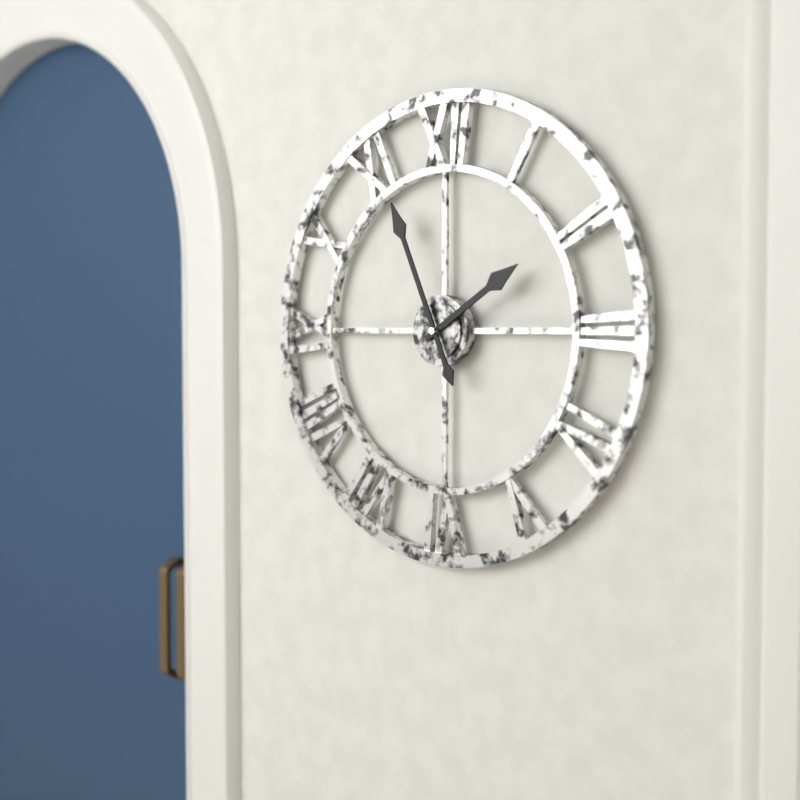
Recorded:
**1:56**
